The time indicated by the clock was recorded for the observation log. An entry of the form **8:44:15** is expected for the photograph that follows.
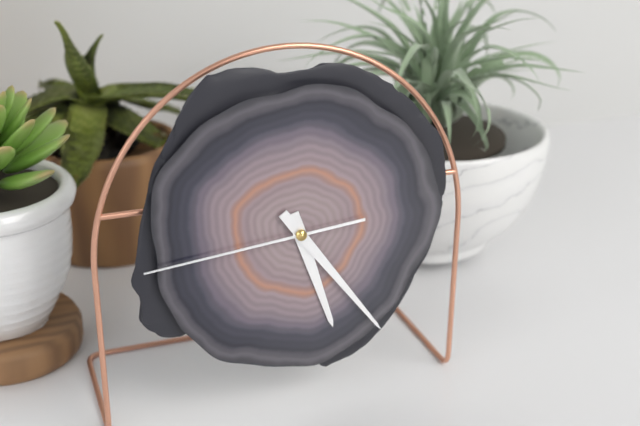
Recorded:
**5:24:44**
